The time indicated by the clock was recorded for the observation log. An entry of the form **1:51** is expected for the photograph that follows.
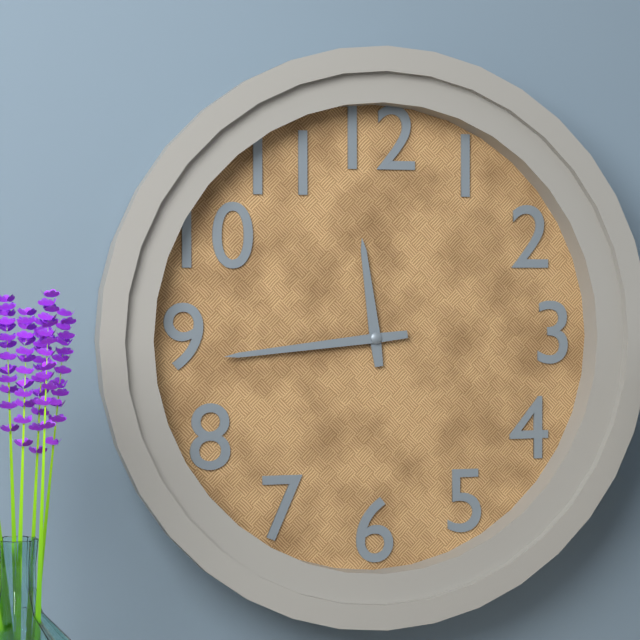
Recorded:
**11:44**
